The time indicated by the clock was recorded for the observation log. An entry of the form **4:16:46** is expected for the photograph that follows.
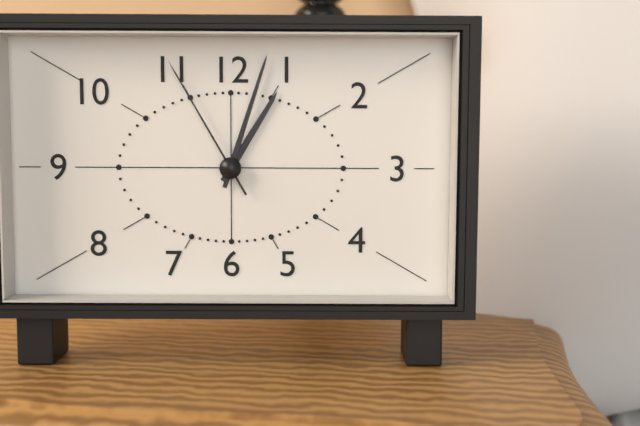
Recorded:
**1:03:55**
